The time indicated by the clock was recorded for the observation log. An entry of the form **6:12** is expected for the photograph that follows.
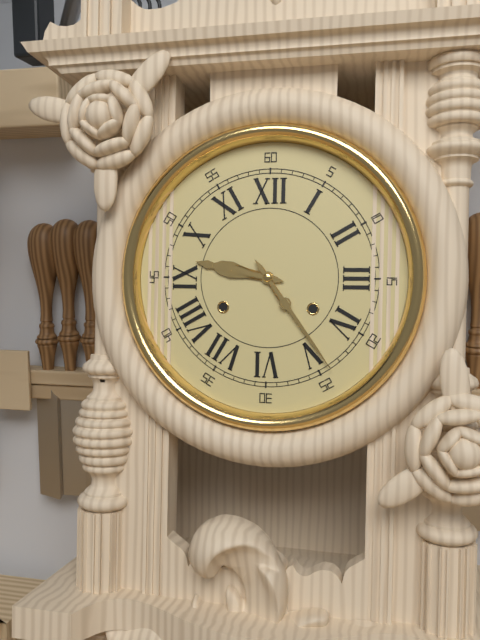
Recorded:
**9:24**
